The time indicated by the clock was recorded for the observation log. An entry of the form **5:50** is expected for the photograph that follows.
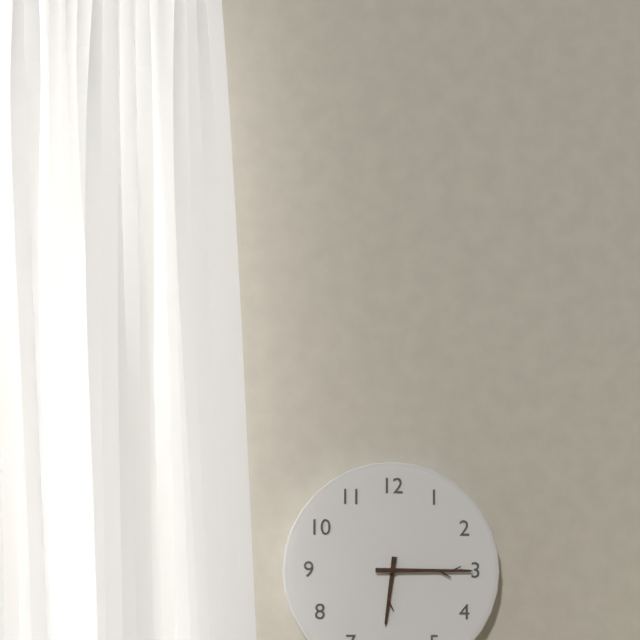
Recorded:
**6:15**
